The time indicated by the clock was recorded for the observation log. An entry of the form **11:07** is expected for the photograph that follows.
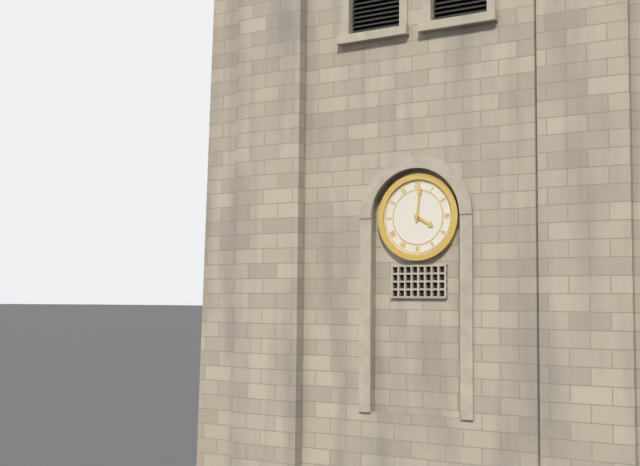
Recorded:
**4:01**
